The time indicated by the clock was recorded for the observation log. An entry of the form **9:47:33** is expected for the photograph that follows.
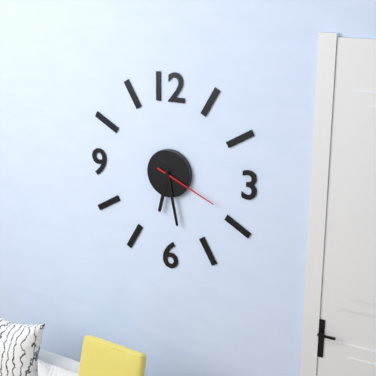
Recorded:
**6:28:19**
